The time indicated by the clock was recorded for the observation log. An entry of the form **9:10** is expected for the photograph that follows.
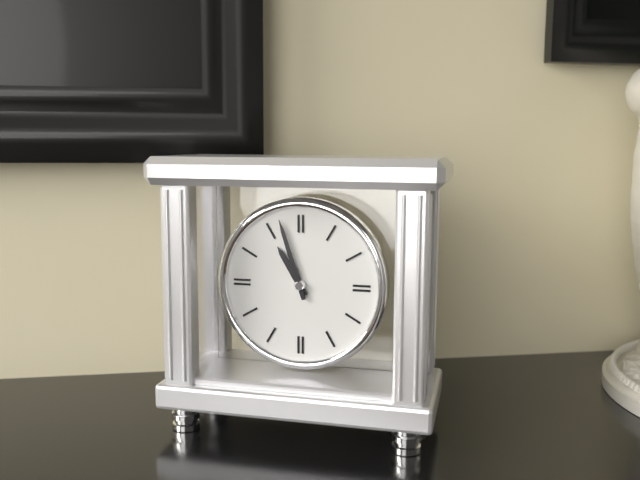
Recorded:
**10:57**
